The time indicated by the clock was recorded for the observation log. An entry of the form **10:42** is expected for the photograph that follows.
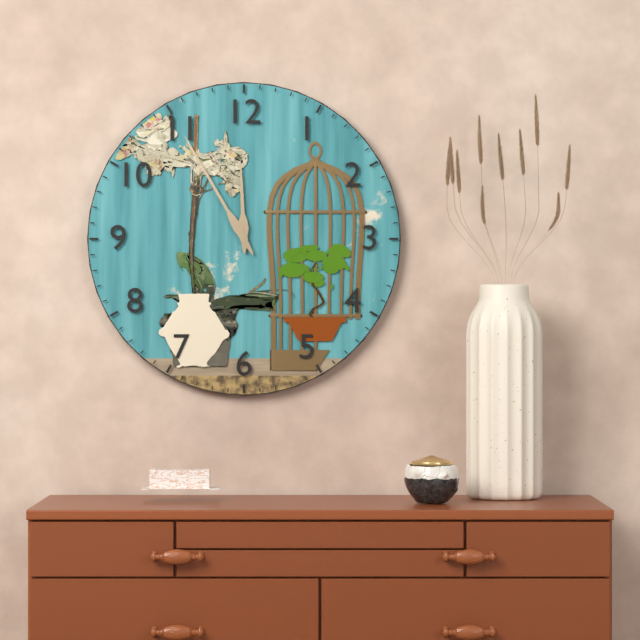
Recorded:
**11:55**
